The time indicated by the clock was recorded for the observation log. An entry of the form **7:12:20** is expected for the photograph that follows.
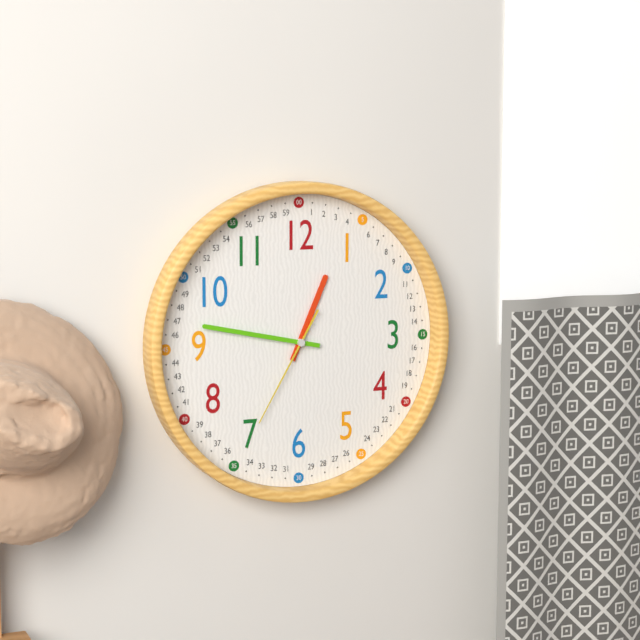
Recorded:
**12:47:35**
